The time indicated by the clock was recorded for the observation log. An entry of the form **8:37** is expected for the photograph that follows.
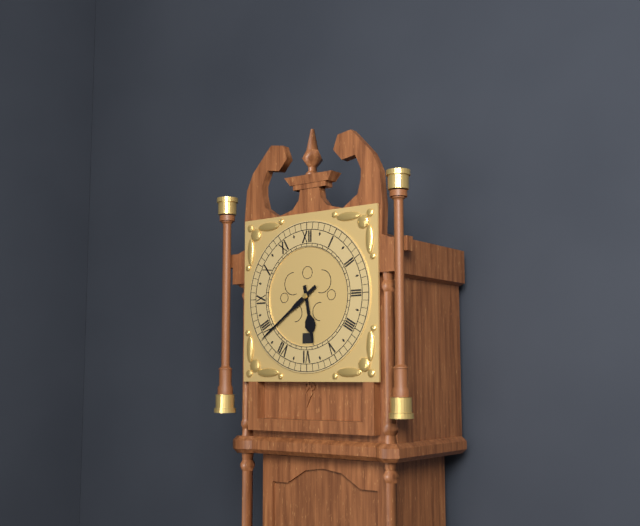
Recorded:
**5:39**
